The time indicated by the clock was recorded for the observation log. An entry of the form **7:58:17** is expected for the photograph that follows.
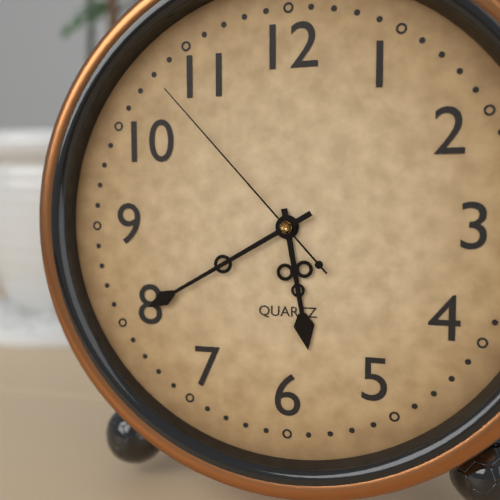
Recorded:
**5:40:53**
